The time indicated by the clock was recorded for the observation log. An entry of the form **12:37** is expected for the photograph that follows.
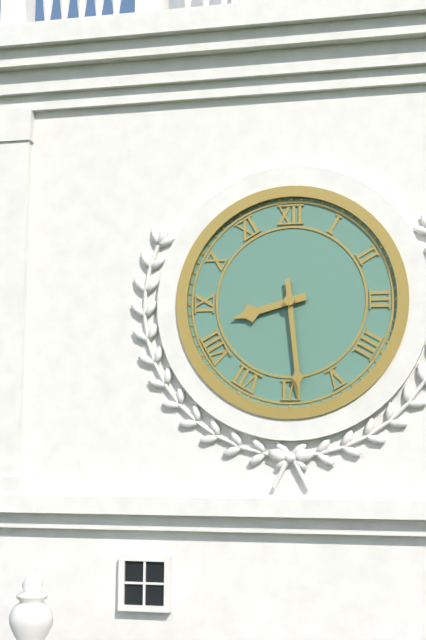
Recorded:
**8:29**
